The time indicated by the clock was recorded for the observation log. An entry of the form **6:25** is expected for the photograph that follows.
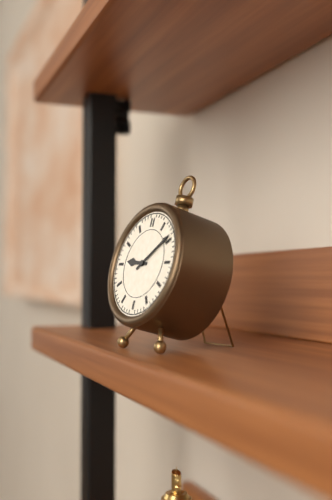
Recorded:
**9:09**
